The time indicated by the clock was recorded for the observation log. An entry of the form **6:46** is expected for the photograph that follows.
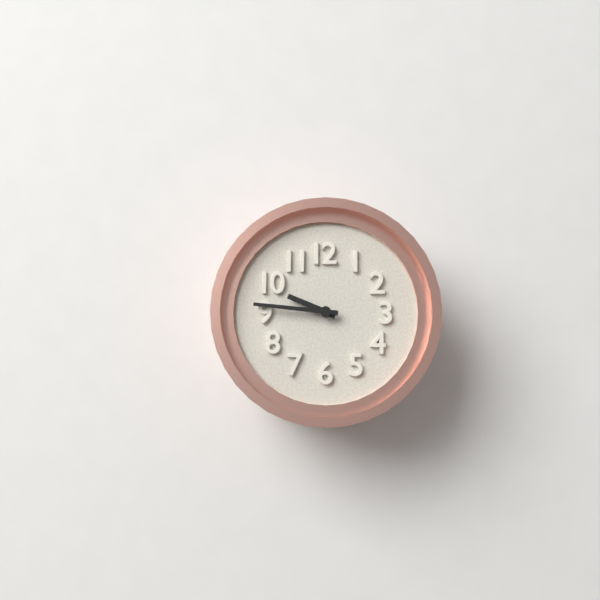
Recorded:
**9:46**
